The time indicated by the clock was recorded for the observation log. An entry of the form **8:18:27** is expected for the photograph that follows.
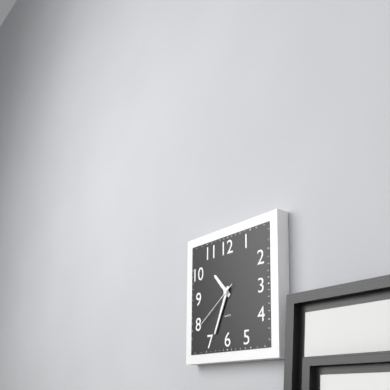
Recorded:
**10:34:39**
